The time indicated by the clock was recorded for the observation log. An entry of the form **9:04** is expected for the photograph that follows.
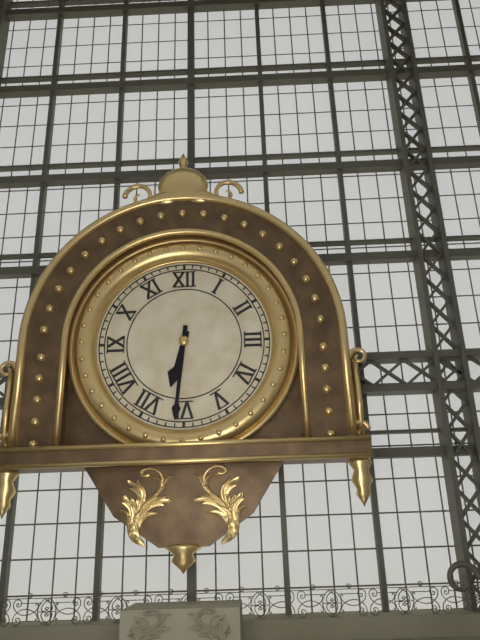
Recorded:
**6:31**
